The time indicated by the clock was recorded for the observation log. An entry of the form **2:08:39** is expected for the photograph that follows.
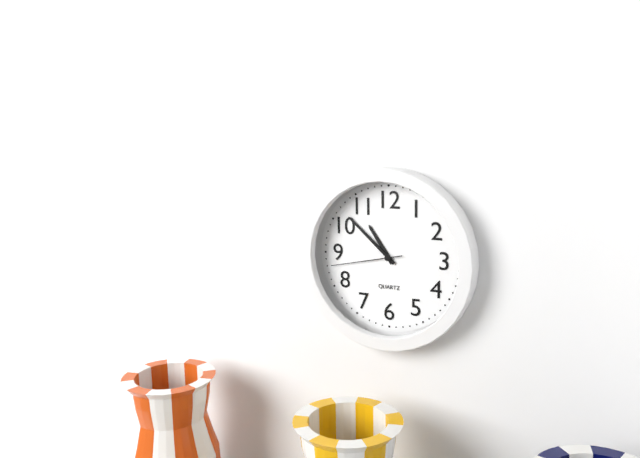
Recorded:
**10:52:43**
